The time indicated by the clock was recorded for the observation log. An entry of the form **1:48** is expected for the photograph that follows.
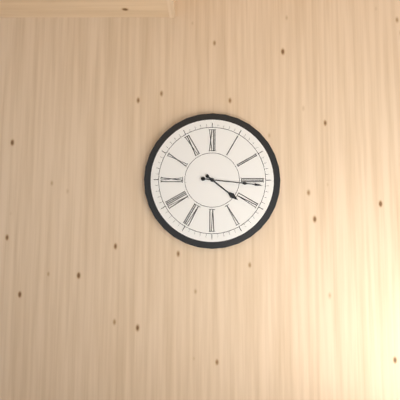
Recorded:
**4:16**
